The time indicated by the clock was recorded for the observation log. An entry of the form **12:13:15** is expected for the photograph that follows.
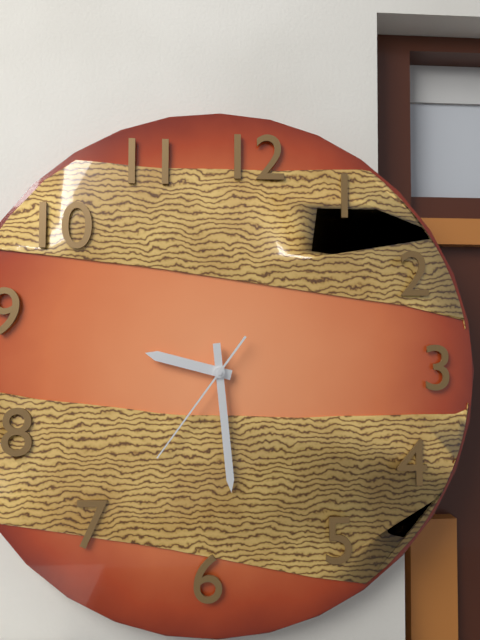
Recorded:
**9:29:36**
